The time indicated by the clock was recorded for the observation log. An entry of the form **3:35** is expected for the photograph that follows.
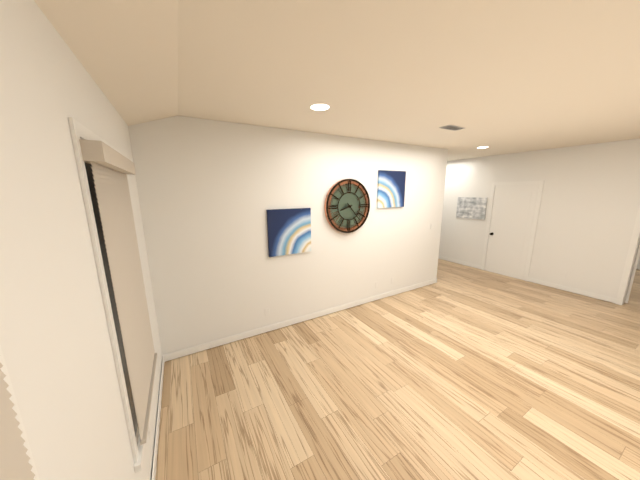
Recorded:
**8:23**
